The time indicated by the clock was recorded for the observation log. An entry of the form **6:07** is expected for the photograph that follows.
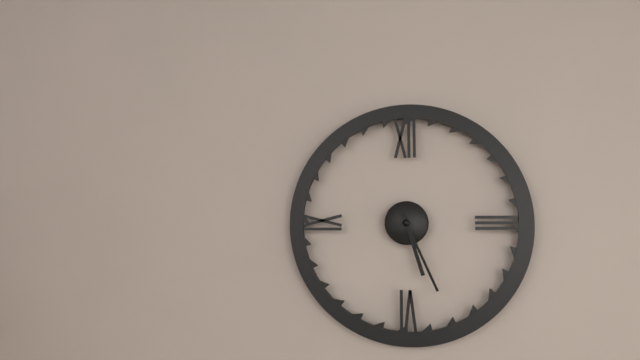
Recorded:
**5:26**
